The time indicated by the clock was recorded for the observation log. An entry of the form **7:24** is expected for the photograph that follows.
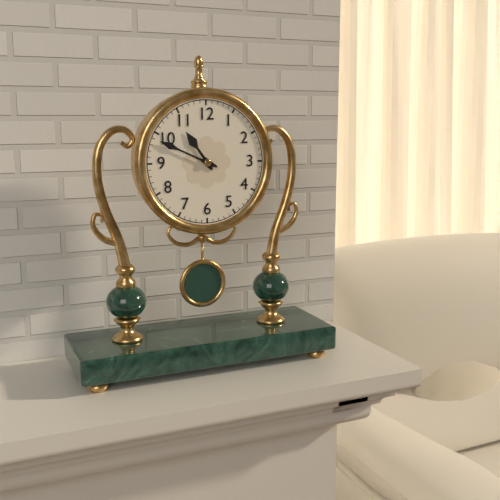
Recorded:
**10:49**
